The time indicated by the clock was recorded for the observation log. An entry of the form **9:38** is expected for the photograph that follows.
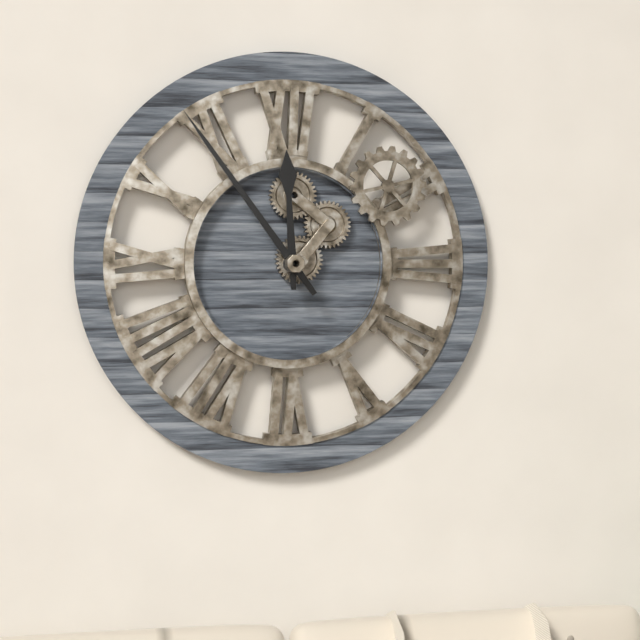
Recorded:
**11:54**
